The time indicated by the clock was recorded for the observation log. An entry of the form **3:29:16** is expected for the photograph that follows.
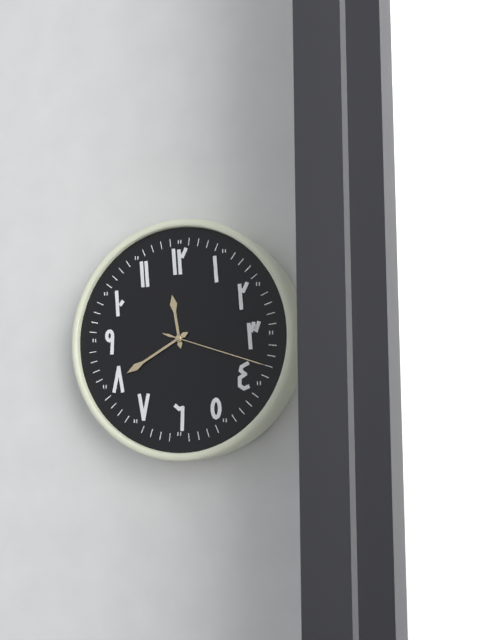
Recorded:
**11:40:18**
